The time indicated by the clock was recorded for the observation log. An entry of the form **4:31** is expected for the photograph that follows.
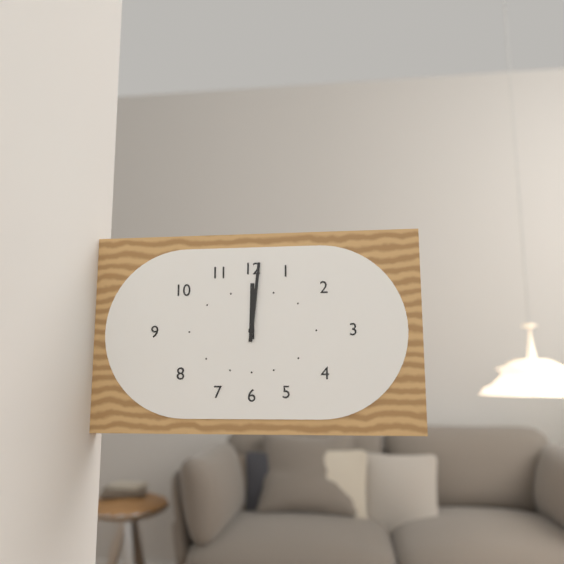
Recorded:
**12:01**
